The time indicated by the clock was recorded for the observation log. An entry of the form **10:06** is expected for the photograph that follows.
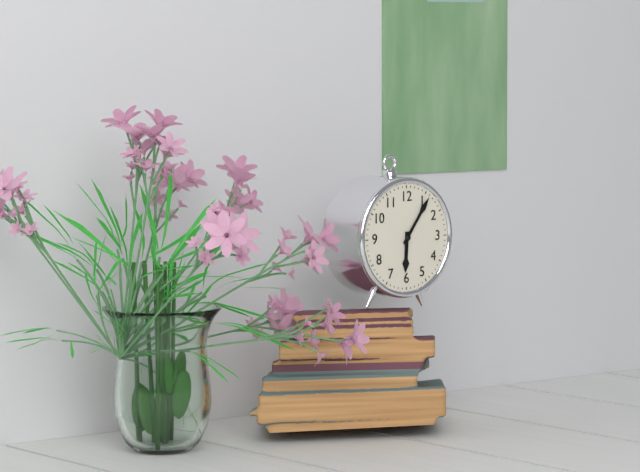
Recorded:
**6:06**
